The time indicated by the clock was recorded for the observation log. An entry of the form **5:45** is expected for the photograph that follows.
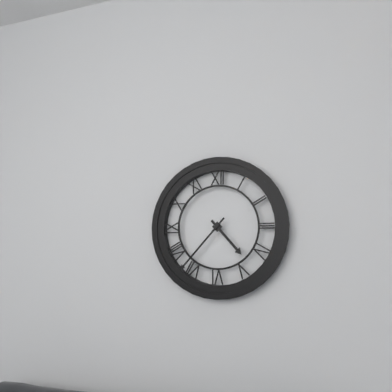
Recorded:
**4:37**
